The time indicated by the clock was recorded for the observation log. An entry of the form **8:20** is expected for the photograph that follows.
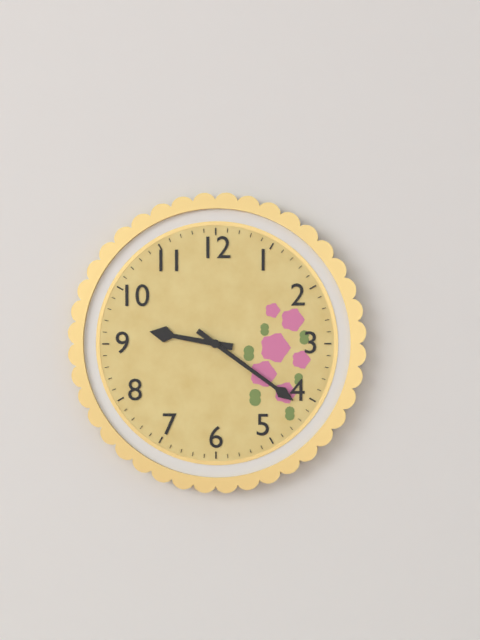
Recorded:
**9:21**
